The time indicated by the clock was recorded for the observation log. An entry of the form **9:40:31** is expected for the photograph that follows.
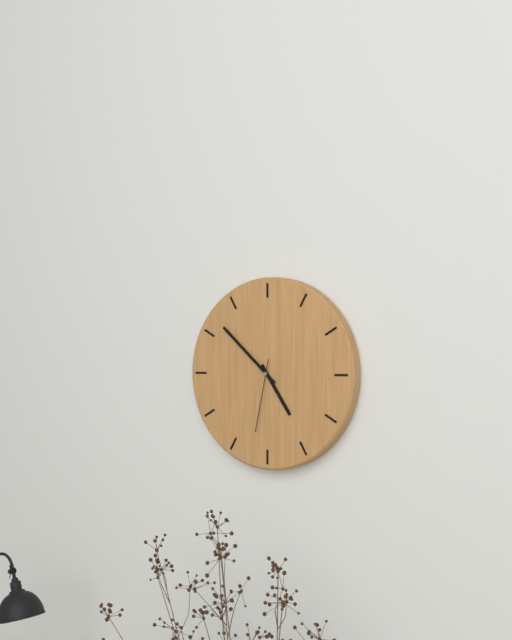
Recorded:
**4:52:32**
